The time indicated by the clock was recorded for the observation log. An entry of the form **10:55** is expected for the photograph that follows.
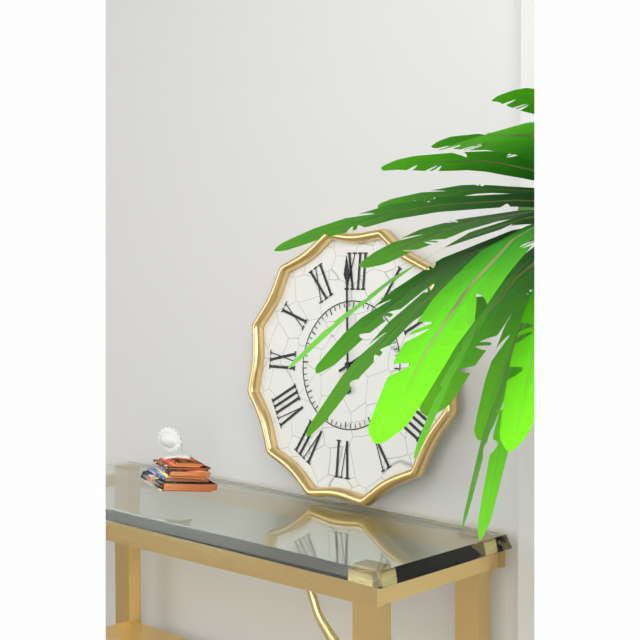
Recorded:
**1:59**
